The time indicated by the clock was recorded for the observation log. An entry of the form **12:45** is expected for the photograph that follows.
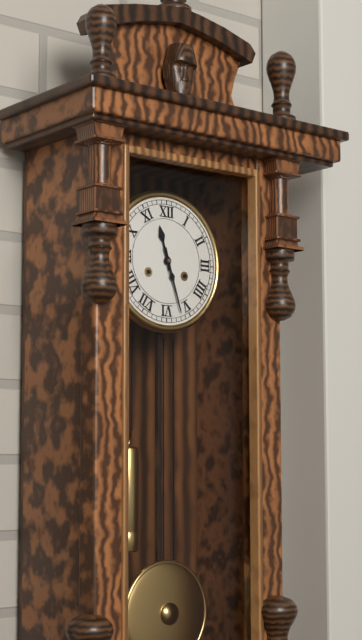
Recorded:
**11:27**
